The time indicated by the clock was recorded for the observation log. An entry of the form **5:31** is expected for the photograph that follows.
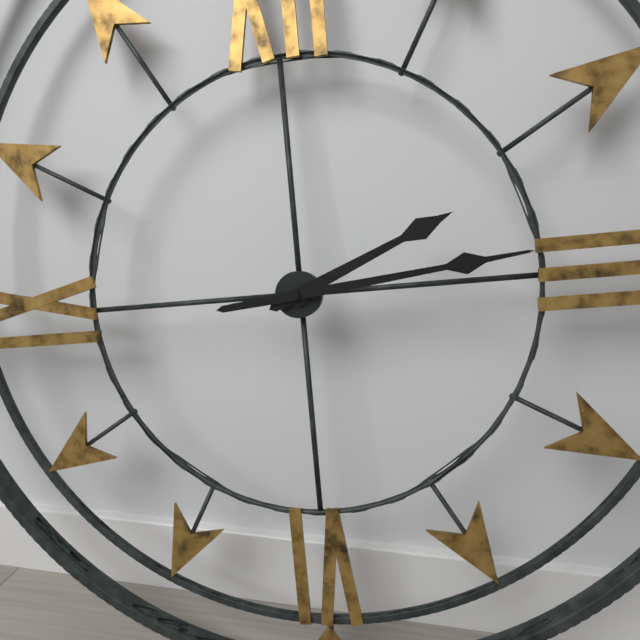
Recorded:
**2:14**
